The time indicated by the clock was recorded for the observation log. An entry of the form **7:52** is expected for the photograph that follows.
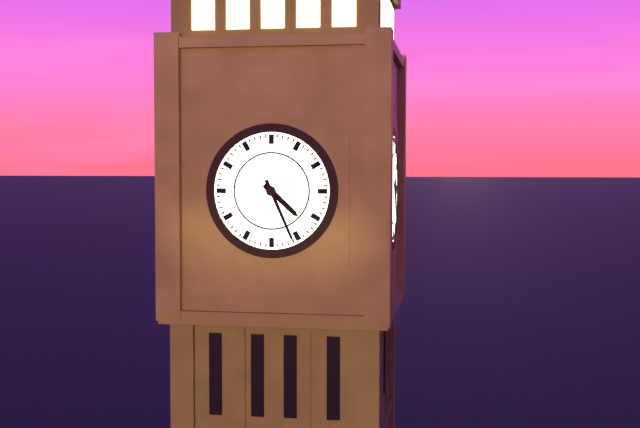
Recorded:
**4:26**
